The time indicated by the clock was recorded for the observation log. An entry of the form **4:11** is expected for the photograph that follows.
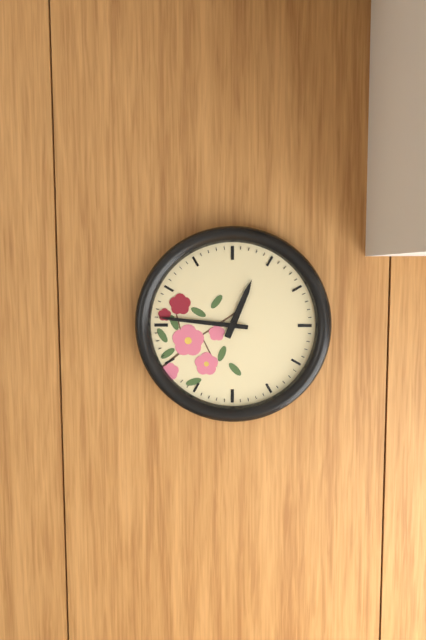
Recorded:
**12:46**
